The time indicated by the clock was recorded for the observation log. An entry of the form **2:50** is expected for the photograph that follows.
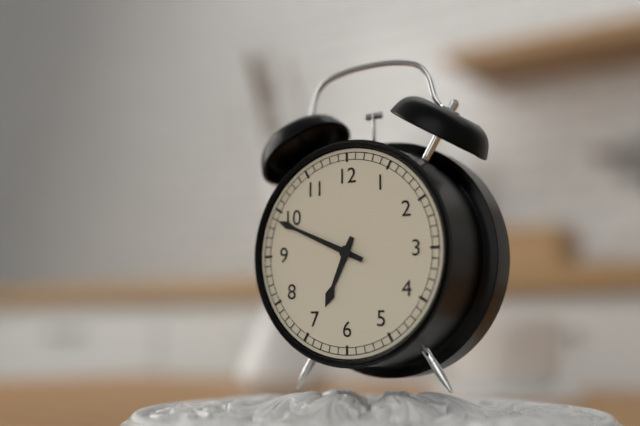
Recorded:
**6:49**
